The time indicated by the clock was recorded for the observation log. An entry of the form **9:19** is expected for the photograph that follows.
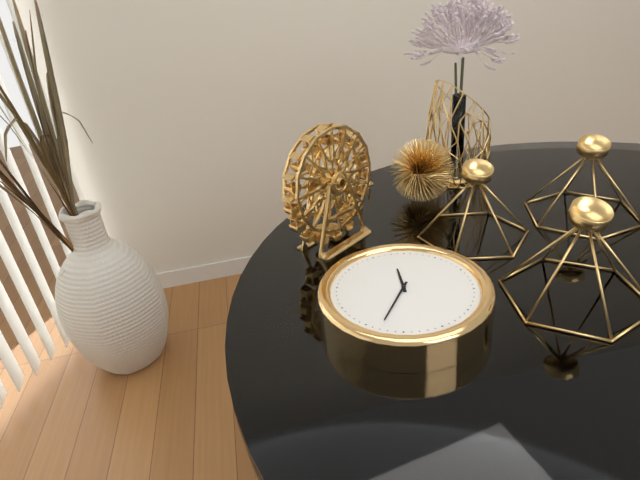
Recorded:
**12:38**
